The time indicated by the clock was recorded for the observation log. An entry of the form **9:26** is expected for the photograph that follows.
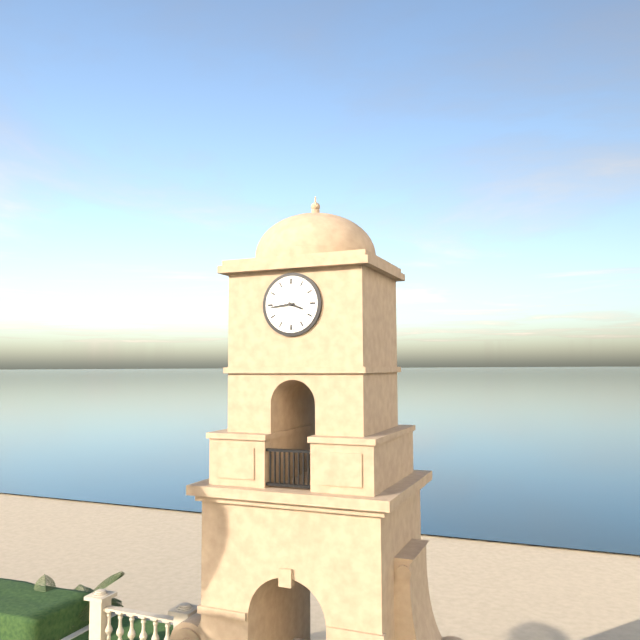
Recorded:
**3:44**
